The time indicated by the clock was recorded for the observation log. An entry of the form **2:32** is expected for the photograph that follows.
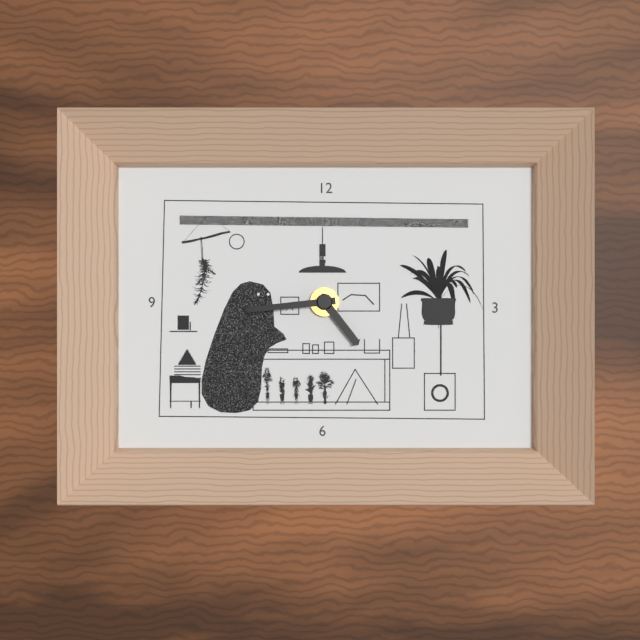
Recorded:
**4:44**
